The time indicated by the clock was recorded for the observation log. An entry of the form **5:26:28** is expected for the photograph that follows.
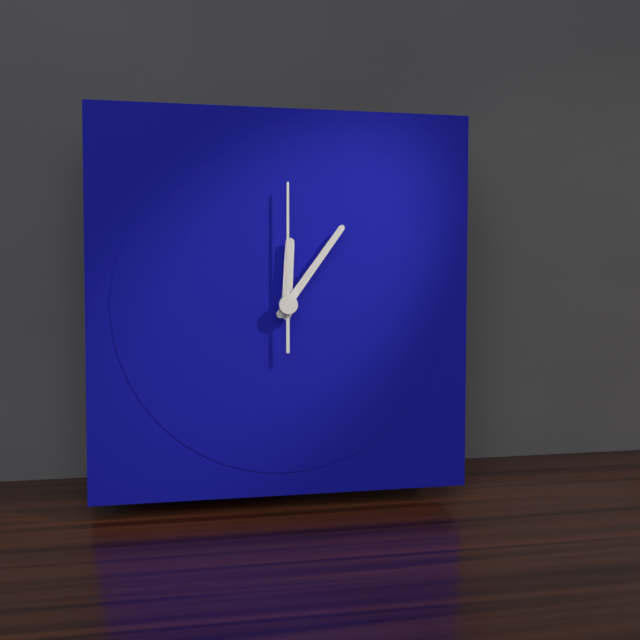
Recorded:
**12:06:00**
